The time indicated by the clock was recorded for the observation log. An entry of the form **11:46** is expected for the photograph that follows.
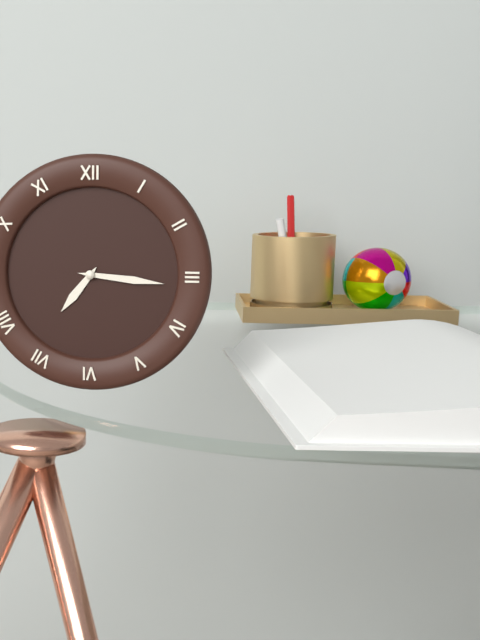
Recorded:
**7:16**
